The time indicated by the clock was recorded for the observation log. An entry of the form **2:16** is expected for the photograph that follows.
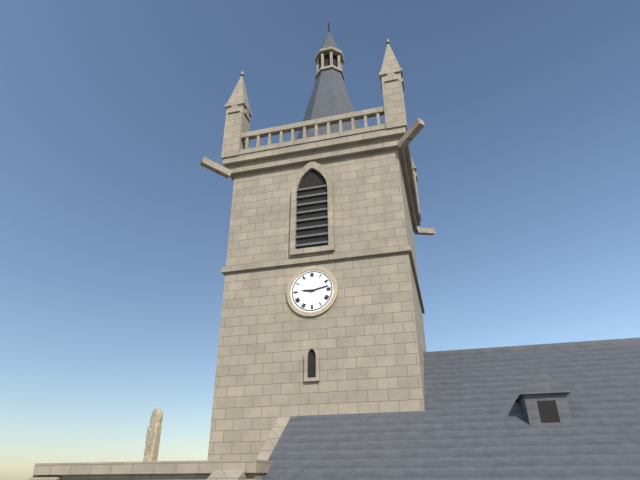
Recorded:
**9:13**
